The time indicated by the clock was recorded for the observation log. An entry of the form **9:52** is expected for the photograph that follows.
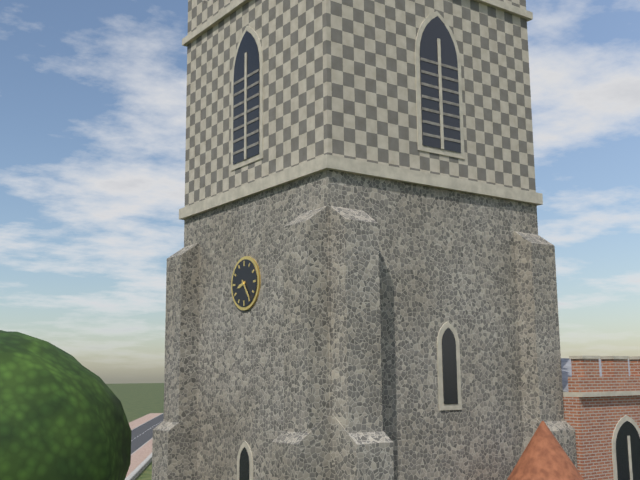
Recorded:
**8:24**
